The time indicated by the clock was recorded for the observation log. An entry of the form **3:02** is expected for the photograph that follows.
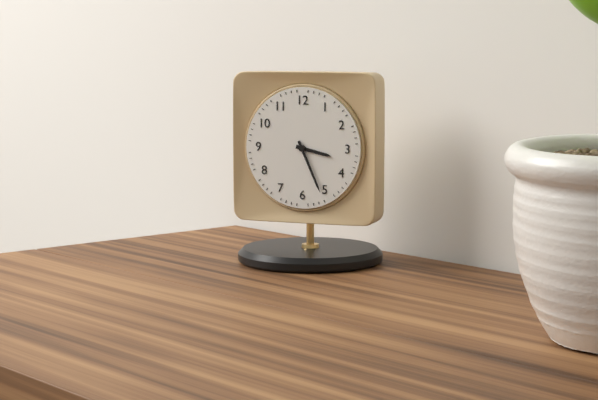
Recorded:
**3:26**
